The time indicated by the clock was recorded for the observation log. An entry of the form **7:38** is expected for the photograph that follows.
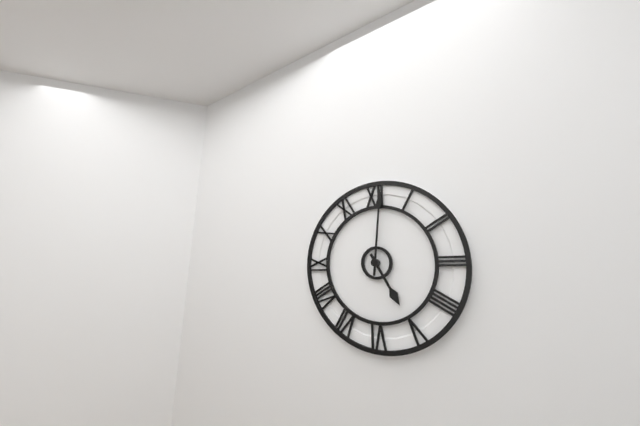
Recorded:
**5:01**
